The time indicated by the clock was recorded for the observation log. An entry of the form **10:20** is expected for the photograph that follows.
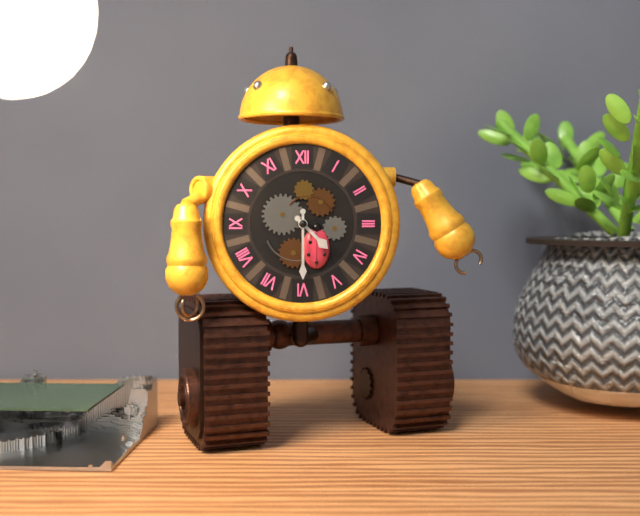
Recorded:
**4:30**
